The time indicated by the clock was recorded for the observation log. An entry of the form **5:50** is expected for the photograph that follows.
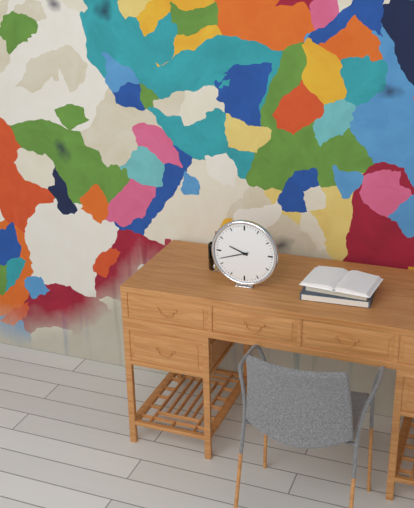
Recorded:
**9:42**
